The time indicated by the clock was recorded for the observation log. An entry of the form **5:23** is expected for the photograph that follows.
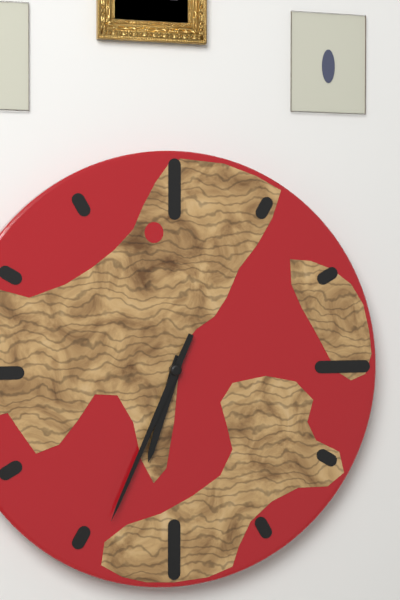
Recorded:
**6:34**
